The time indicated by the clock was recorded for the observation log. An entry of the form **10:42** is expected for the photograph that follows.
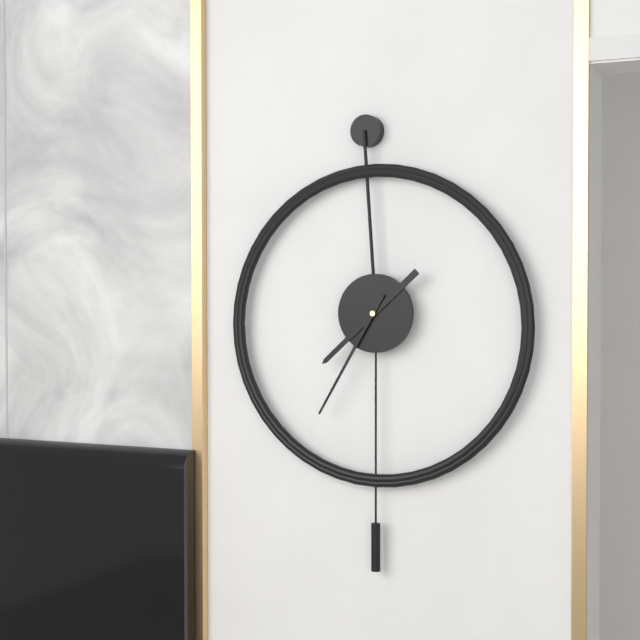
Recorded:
**7:35**
